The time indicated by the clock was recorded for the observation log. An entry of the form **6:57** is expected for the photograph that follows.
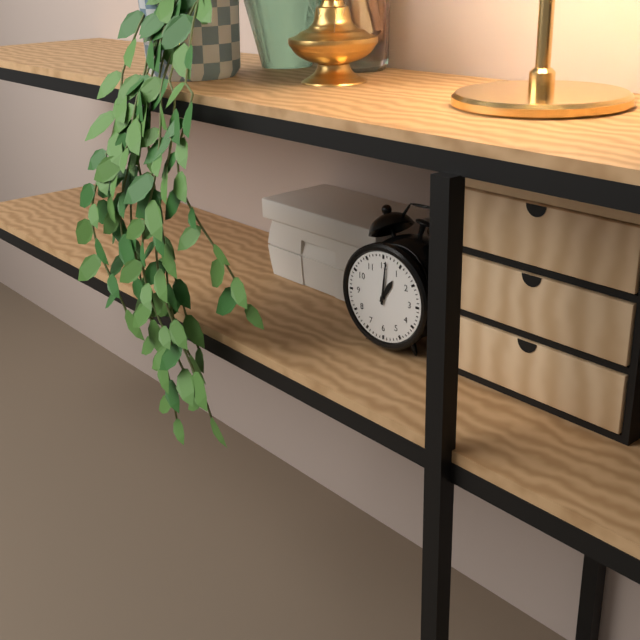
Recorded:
**1:01**
